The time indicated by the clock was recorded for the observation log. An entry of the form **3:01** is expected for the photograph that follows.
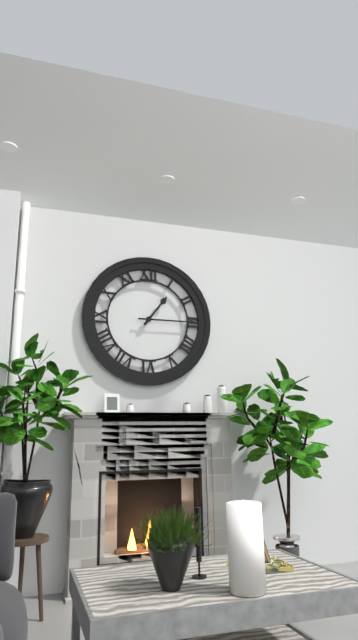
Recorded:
**1:15**
